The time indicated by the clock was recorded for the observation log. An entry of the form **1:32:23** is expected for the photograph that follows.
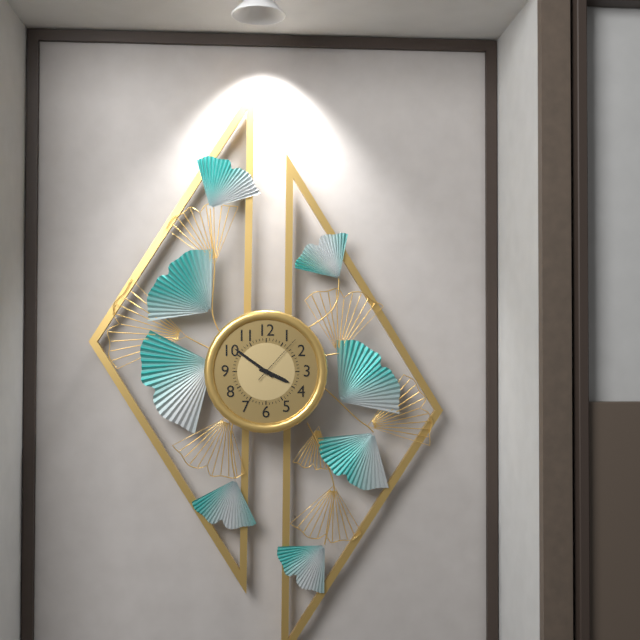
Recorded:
**3:51:07**
